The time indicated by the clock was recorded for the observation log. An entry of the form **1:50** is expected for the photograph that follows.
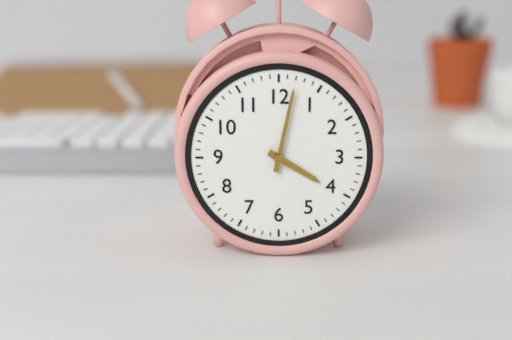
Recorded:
**4:02**
